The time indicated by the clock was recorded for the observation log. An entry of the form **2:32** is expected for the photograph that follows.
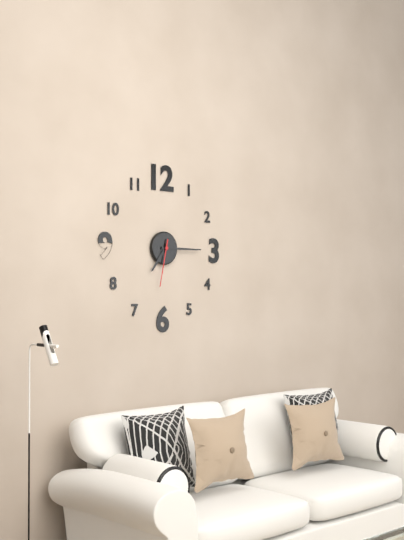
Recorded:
**7:15**
